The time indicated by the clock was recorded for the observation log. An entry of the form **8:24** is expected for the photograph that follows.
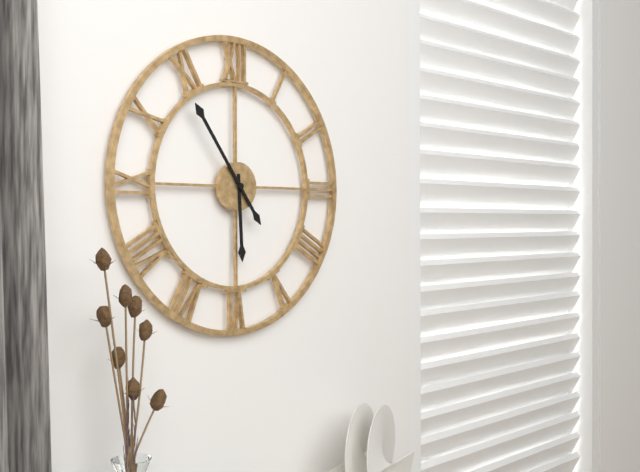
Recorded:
**5:54**
